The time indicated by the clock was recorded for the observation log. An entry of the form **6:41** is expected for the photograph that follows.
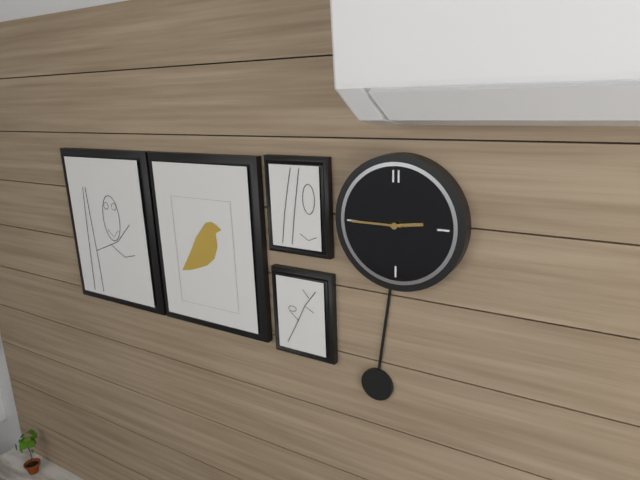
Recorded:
**2:45**
